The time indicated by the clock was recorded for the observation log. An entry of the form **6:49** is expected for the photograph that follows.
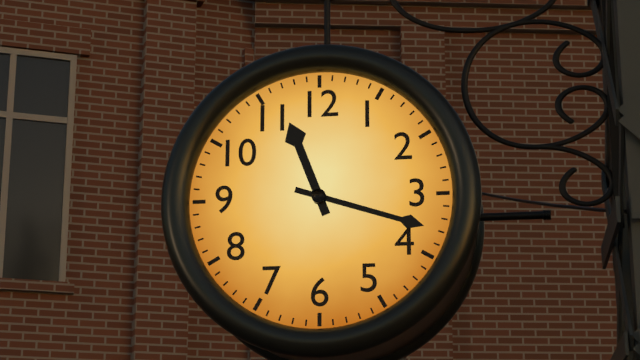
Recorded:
**11:18**
